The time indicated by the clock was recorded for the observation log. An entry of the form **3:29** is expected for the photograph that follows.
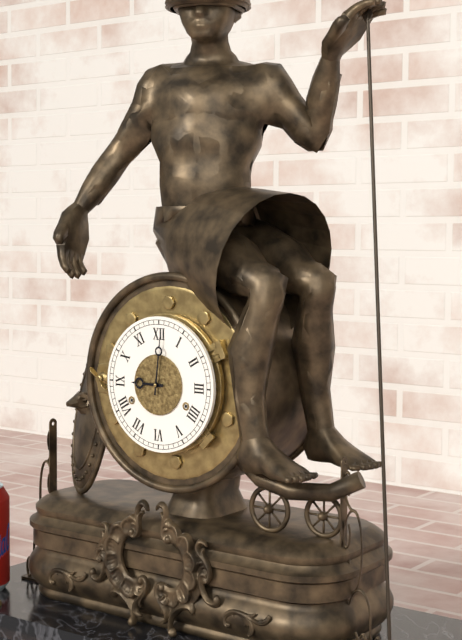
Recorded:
**9:01**
